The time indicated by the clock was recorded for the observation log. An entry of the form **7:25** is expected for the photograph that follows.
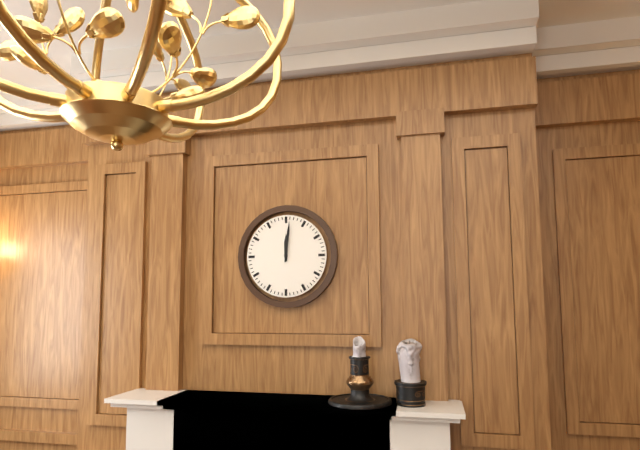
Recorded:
**12:01**
